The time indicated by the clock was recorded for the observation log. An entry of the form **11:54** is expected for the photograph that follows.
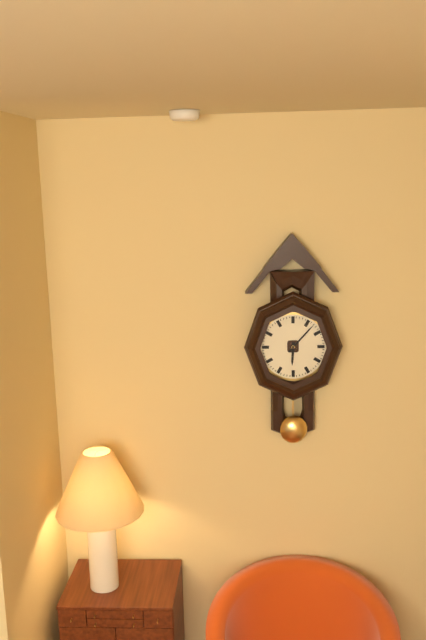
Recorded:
**6:07**
